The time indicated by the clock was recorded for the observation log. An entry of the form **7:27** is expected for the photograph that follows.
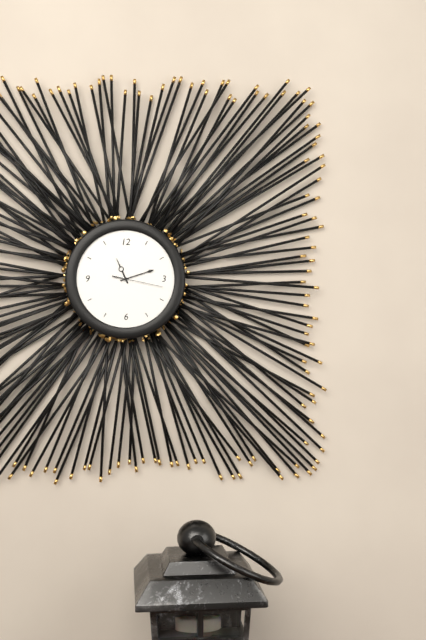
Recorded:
**11:12**
